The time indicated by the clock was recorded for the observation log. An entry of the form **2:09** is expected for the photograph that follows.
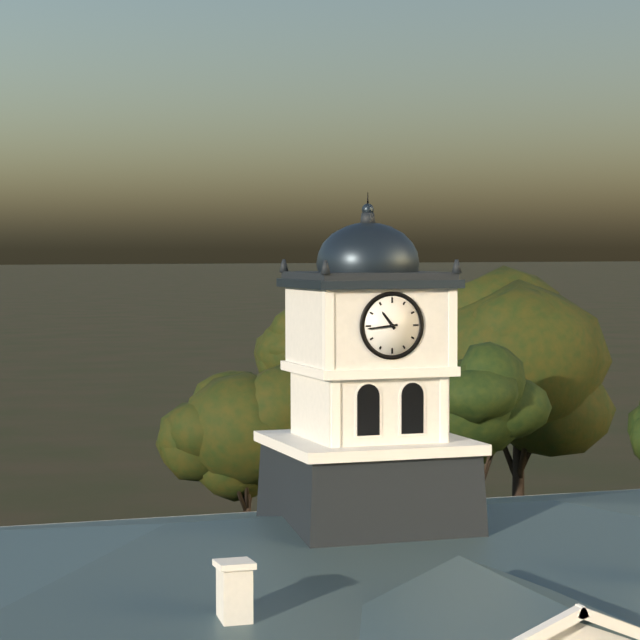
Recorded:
**10:44**
